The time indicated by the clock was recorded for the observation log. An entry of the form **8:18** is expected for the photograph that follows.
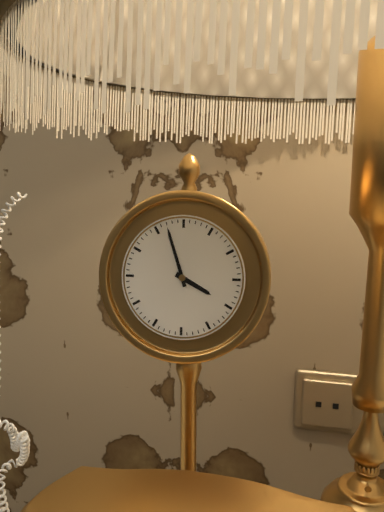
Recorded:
**3:57**
